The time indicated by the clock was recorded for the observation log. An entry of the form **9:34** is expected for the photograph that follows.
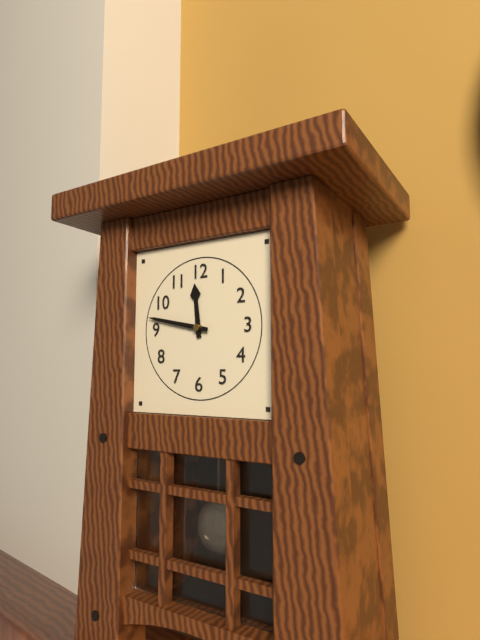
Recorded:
**11:47**
